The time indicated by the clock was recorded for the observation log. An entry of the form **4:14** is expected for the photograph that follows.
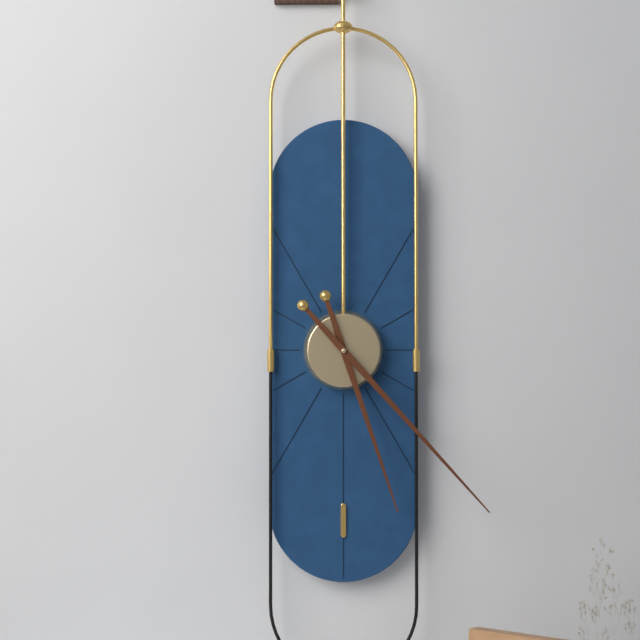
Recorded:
**5:23**
